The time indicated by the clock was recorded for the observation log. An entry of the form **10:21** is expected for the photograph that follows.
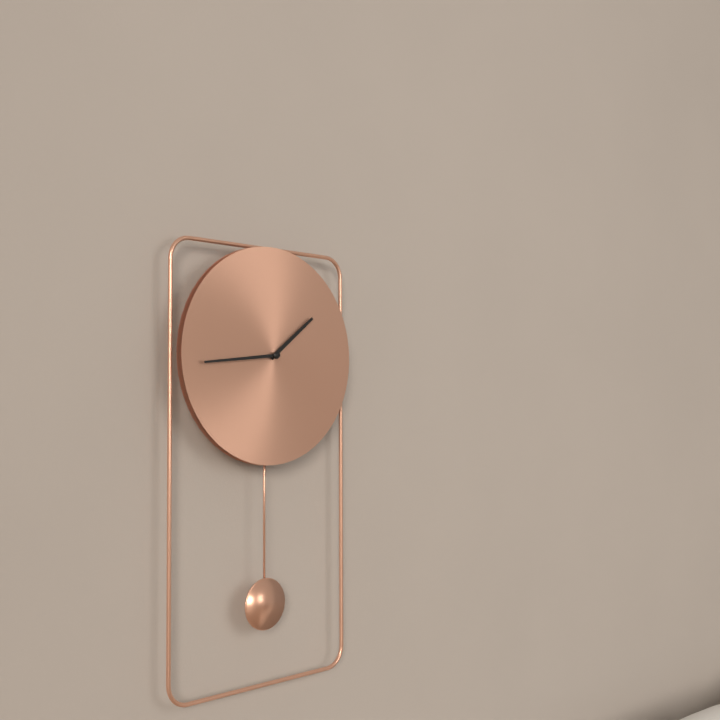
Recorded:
**1:44**
